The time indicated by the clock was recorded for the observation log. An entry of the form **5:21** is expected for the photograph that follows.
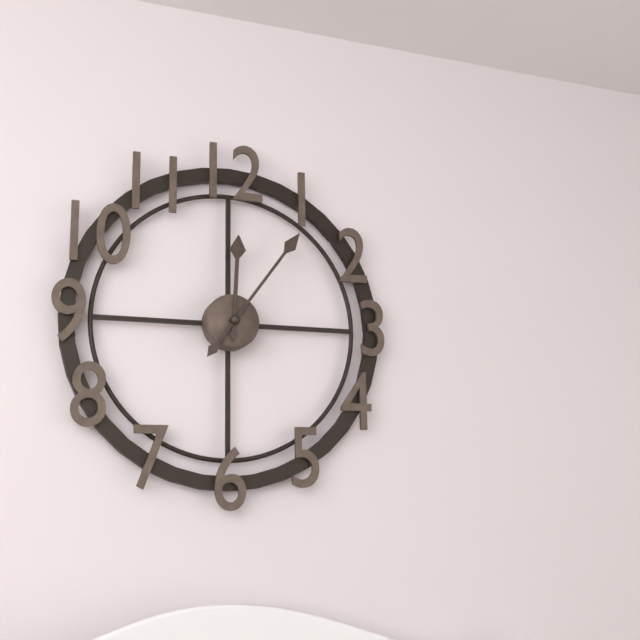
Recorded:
**12:06**
